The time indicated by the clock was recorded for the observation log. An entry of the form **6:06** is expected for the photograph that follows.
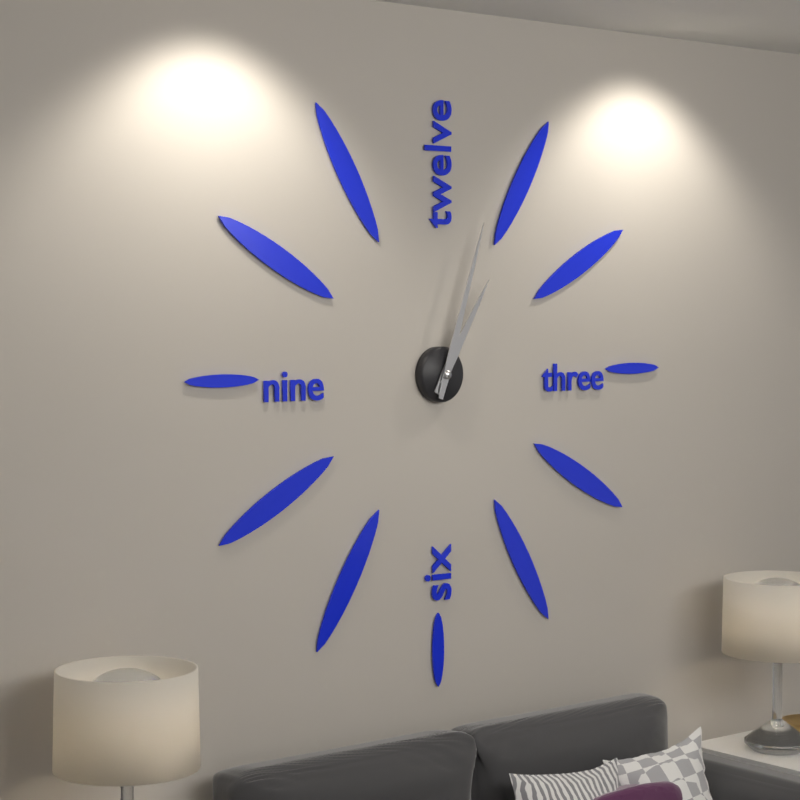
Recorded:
**1:03**
